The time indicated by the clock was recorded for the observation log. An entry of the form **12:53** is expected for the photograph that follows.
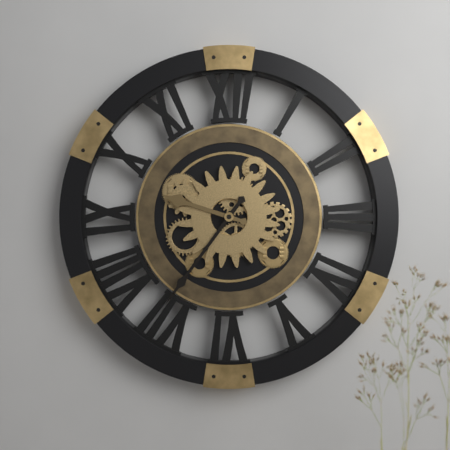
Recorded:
**9:36**
